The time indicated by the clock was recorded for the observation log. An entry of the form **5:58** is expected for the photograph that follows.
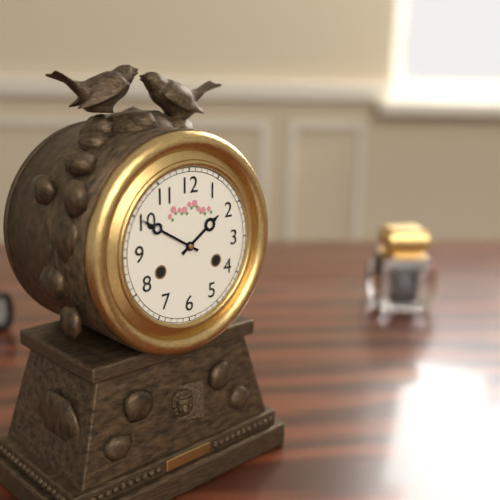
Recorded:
**1:50**
